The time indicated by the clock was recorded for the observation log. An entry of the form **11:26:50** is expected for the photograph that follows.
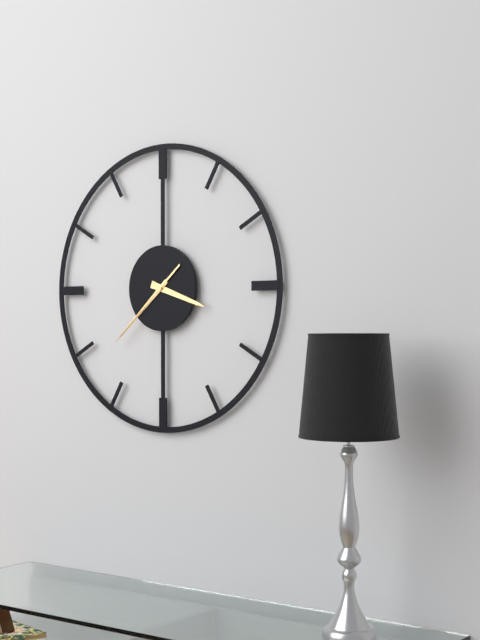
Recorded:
**3:38:38**
